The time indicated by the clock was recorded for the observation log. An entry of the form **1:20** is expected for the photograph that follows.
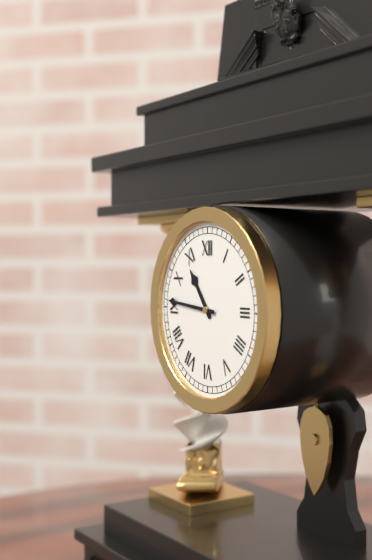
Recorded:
**10:46**
